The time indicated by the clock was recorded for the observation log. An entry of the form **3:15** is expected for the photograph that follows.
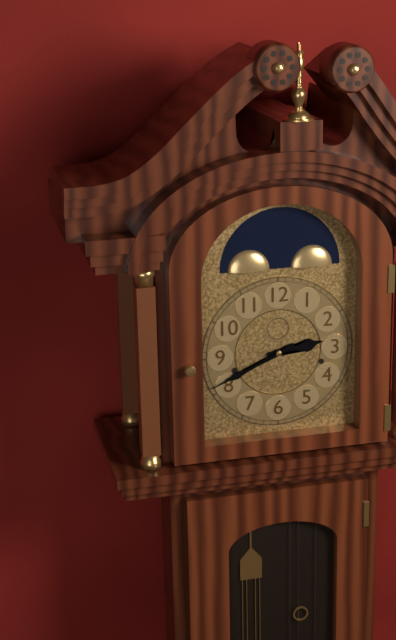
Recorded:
**2:41**
